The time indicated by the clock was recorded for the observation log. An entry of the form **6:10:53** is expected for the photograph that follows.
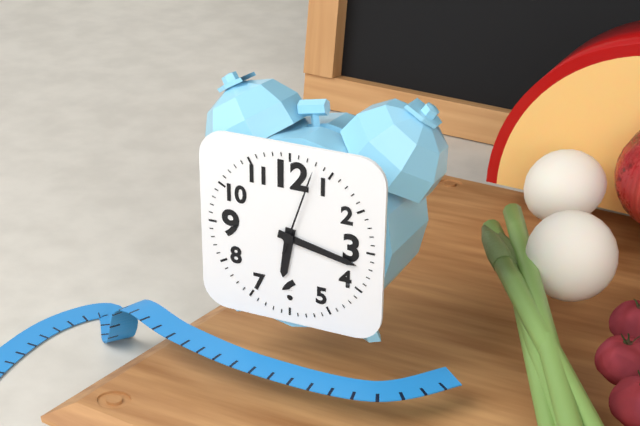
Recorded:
**6:17:03**
